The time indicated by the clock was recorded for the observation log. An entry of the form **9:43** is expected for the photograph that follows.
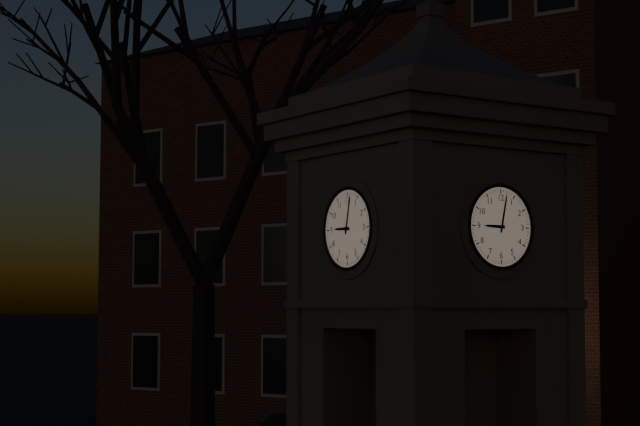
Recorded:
**9:02**
